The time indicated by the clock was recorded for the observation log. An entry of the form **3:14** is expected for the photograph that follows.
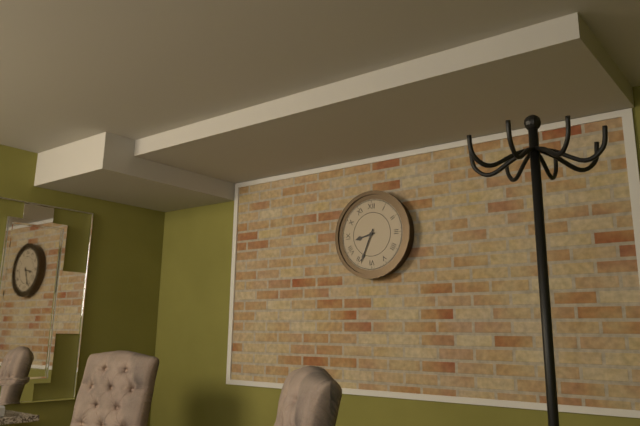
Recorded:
**8:34**
